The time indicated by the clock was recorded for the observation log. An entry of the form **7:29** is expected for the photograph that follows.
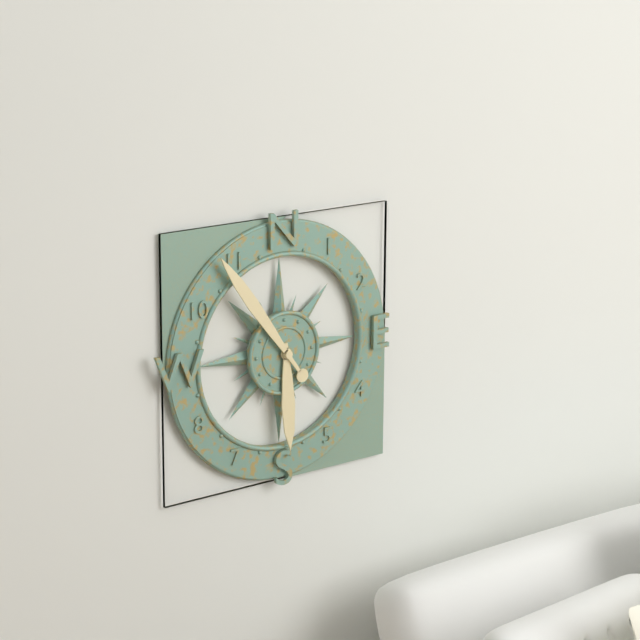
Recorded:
**5:54**
